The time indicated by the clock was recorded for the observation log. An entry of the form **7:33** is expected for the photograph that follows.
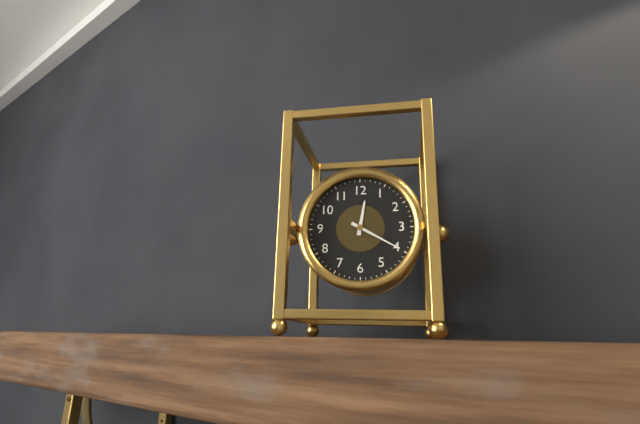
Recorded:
**12:20**
